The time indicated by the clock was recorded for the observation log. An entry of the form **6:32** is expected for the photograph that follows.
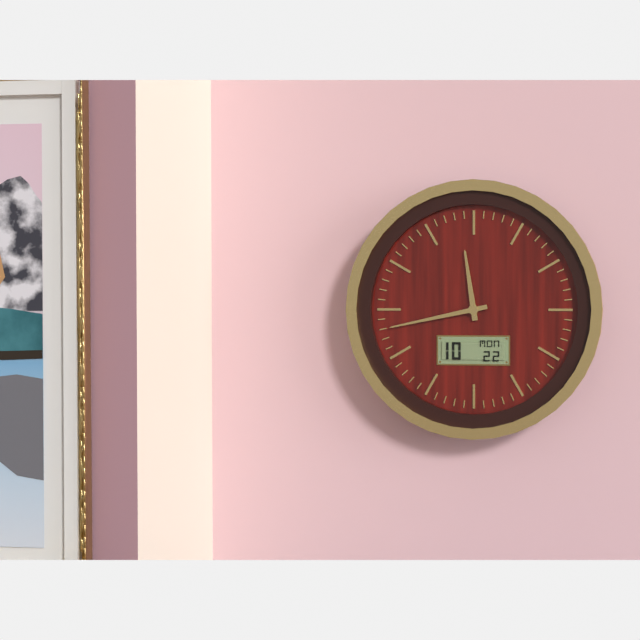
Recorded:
**11:43**
